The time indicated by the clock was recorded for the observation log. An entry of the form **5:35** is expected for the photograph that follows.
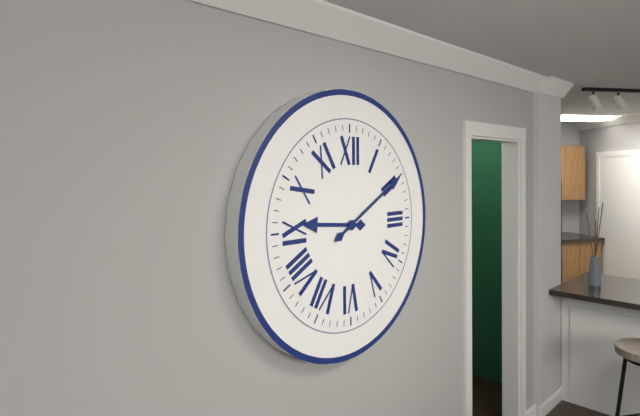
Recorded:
**9:10**
